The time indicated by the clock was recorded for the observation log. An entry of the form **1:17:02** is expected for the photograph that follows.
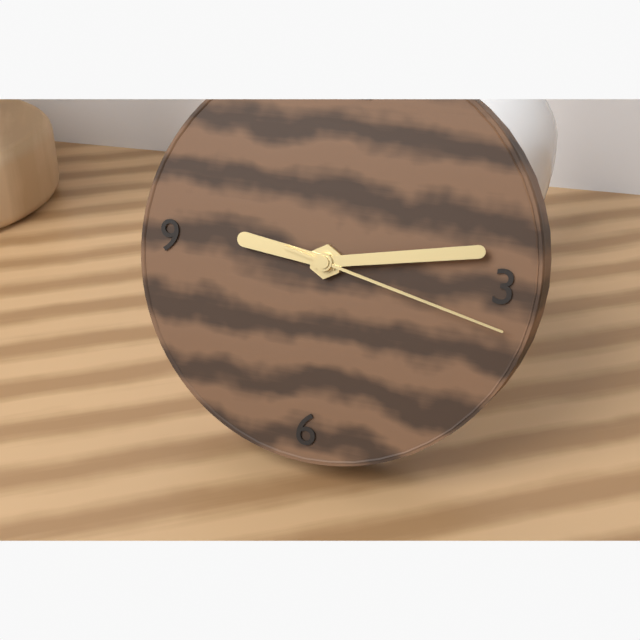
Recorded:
**9:13:17**
